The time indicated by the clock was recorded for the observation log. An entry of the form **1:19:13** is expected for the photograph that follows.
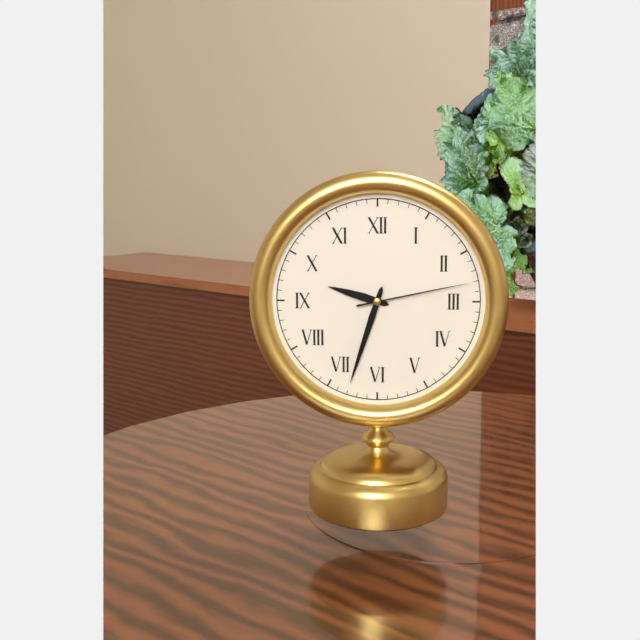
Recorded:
**9:33:13**
